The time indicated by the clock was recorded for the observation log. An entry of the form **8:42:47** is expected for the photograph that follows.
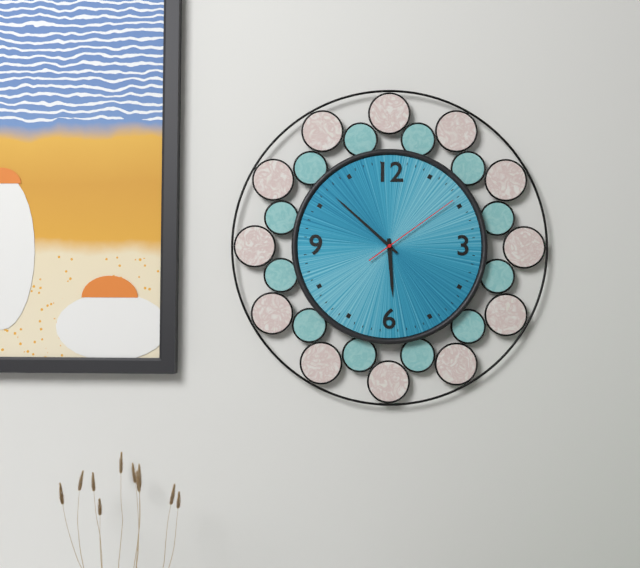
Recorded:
**5:52:09**
